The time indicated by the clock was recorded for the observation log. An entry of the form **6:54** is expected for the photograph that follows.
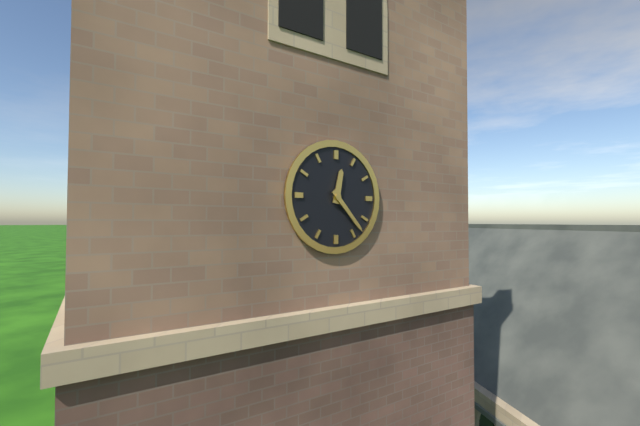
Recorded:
**12:23**
